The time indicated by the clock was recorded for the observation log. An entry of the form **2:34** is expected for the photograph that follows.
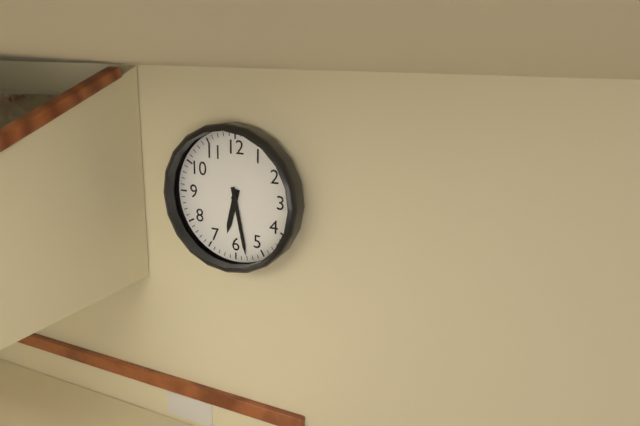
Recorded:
**6:28**
